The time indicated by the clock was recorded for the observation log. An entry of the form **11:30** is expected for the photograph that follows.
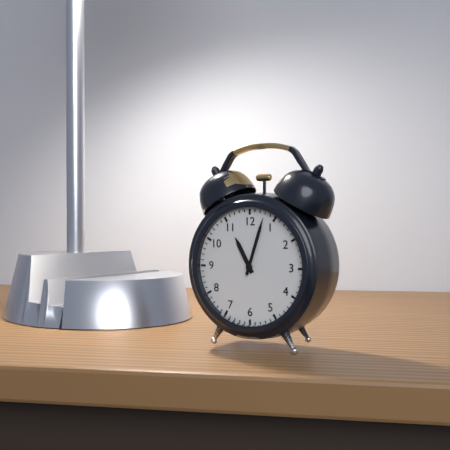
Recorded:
**11:03**
